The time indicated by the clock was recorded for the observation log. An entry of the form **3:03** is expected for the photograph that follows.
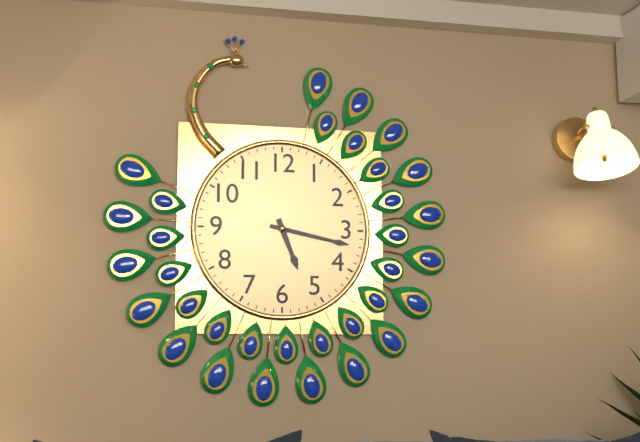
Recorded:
**5:17**
